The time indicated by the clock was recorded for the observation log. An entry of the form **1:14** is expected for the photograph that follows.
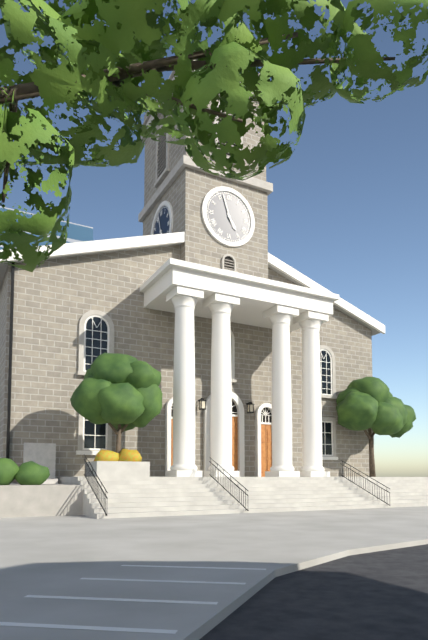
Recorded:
**4:57**
